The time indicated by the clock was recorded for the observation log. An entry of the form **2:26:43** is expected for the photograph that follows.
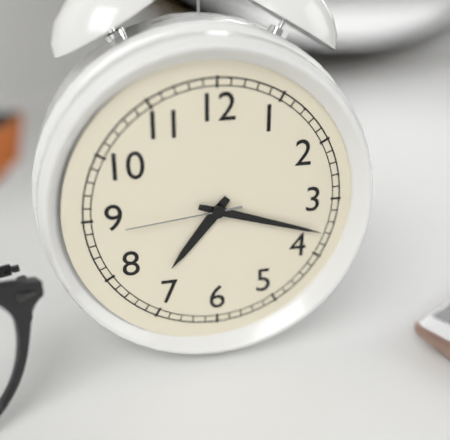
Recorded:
**7:18:44**
